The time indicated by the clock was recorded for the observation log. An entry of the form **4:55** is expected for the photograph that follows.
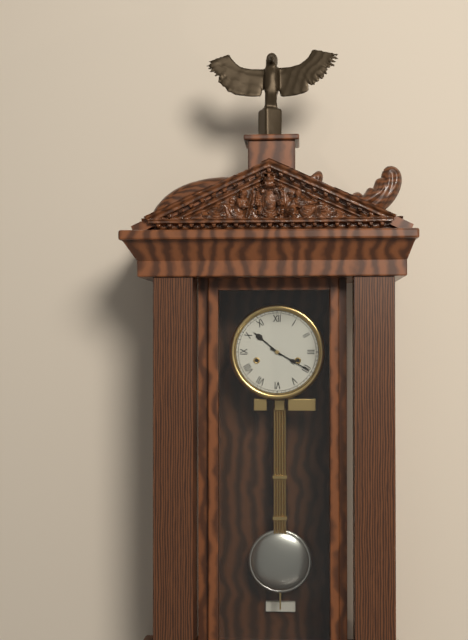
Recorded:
**10:20**
